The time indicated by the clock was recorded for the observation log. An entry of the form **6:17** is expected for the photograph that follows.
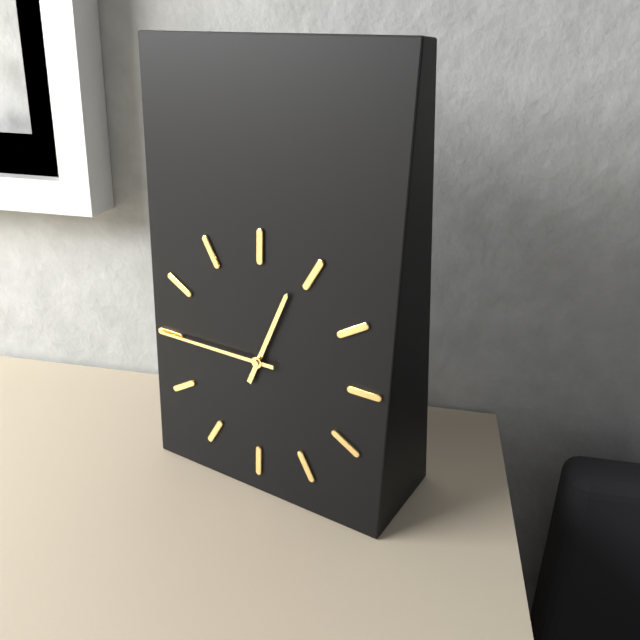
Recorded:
**12:45**
